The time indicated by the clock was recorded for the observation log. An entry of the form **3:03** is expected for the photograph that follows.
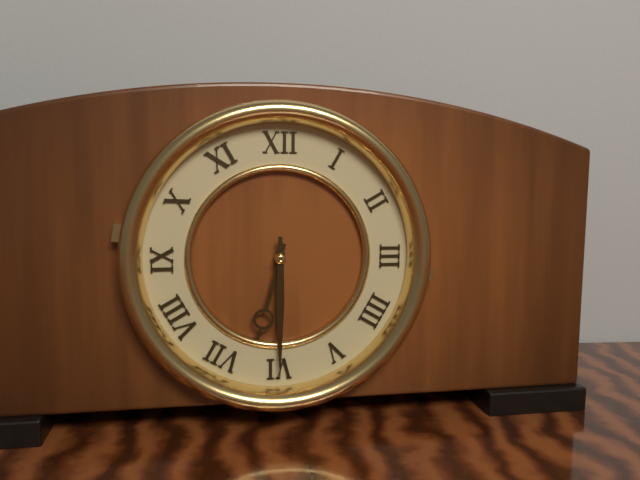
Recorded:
**6:30**
